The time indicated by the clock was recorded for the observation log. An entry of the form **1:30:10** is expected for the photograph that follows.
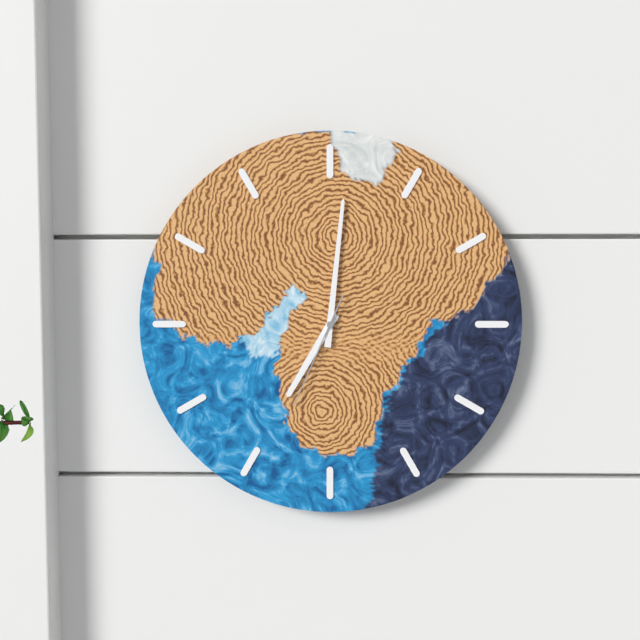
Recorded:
**7:01:34**
